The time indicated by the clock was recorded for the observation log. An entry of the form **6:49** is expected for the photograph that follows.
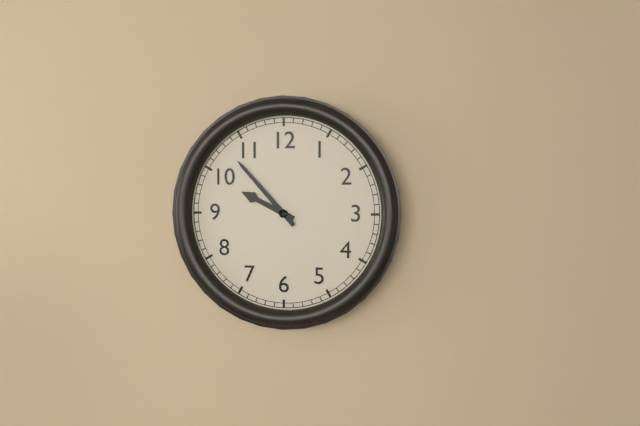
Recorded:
**9:53**
